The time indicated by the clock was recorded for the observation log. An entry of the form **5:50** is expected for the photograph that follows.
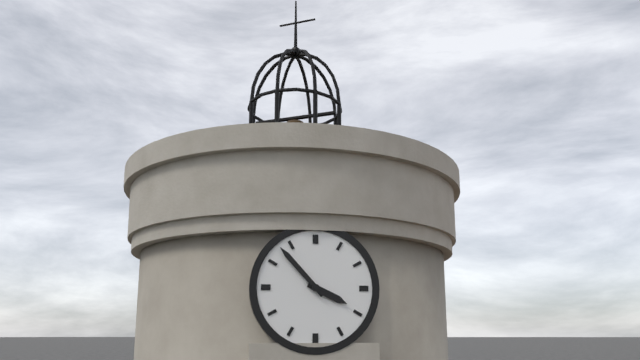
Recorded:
**3:53**
